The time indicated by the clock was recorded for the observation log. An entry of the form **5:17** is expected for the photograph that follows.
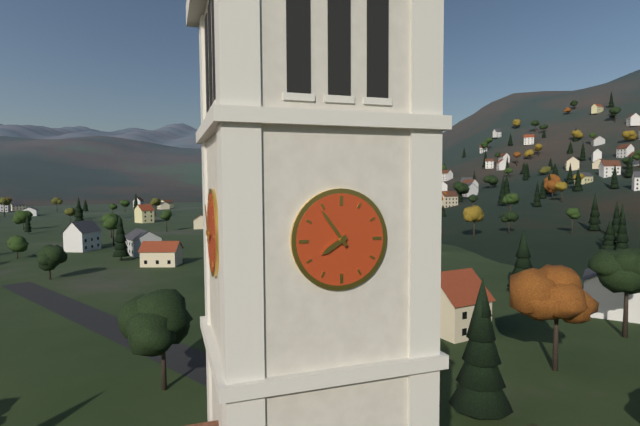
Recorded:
**7:54**
